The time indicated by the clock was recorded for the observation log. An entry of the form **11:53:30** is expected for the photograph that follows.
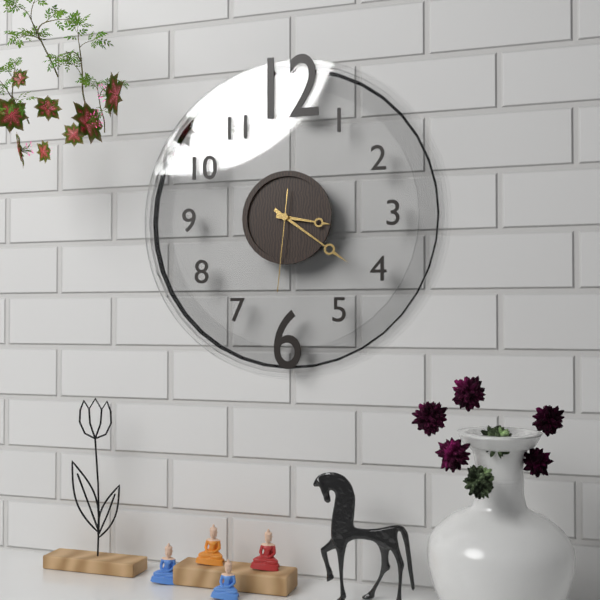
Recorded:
**3:21:31**
